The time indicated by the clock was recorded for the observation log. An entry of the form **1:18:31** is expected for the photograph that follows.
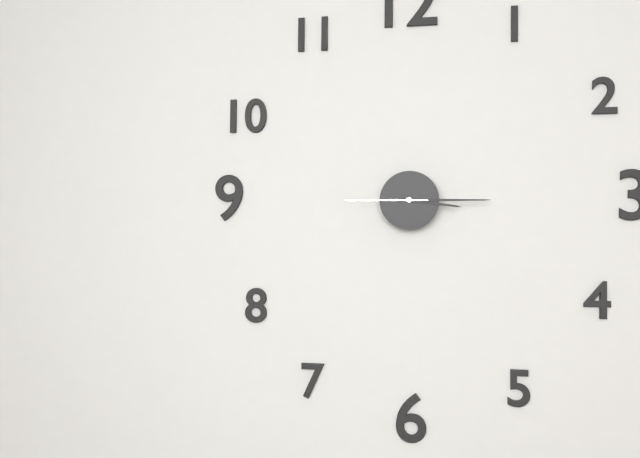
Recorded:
**3:15:45**
